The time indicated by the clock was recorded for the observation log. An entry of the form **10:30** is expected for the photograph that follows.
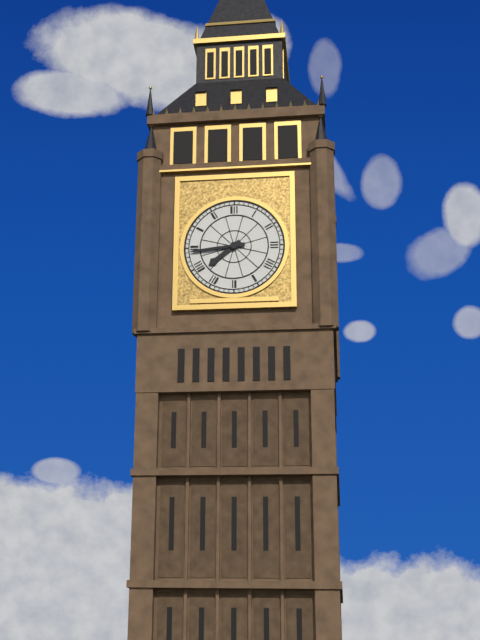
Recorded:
**7:44**
